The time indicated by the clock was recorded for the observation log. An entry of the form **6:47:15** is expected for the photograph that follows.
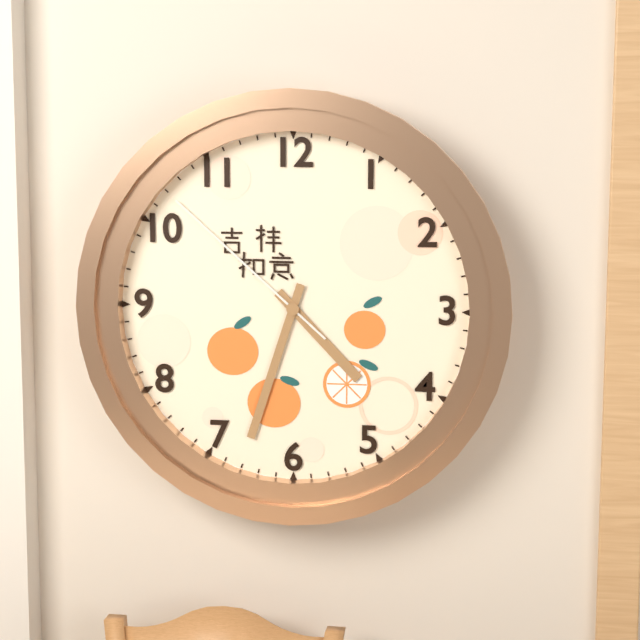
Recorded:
**4:33:52**
